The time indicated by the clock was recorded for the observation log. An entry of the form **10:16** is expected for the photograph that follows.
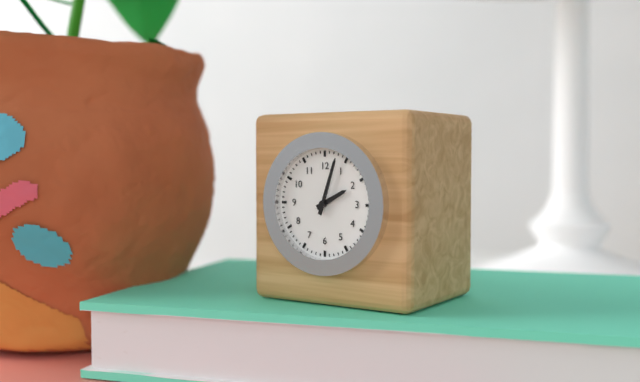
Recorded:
**2:03**
